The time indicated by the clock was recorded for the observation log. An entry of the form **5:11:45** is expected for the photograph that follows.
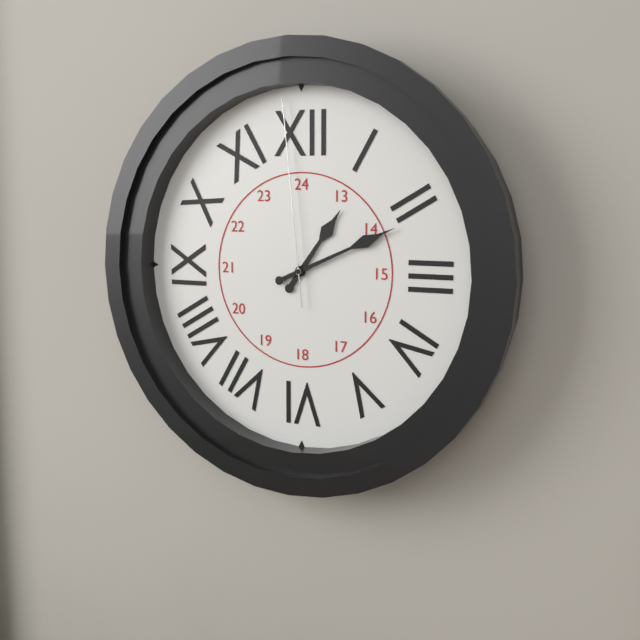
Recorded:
**1:11:59**
